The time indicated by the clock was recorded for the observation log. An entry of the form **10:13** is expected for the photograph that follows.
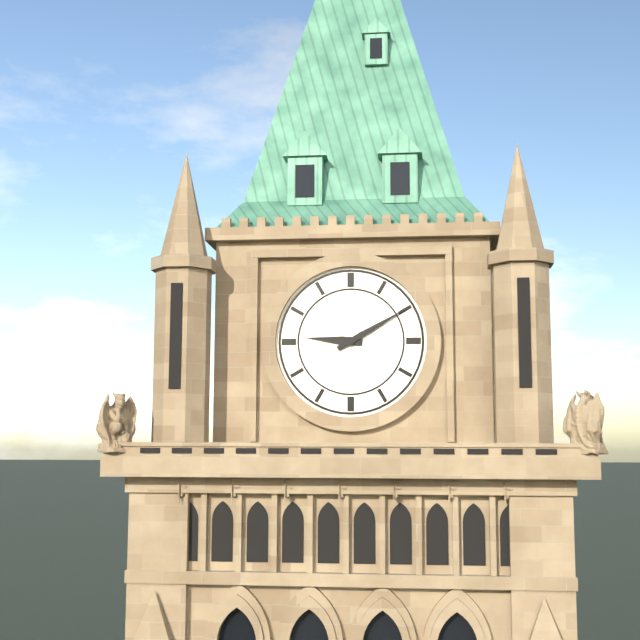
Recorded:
**9:10**
